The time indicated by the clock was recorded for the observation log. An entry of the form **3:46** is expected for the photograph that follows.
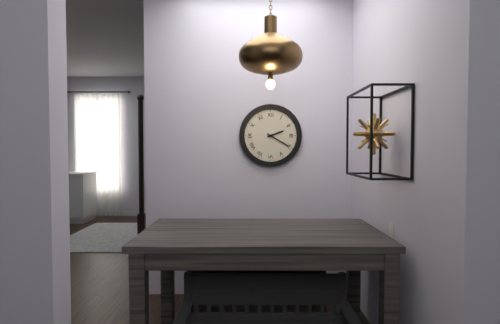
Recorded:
**2:20**
